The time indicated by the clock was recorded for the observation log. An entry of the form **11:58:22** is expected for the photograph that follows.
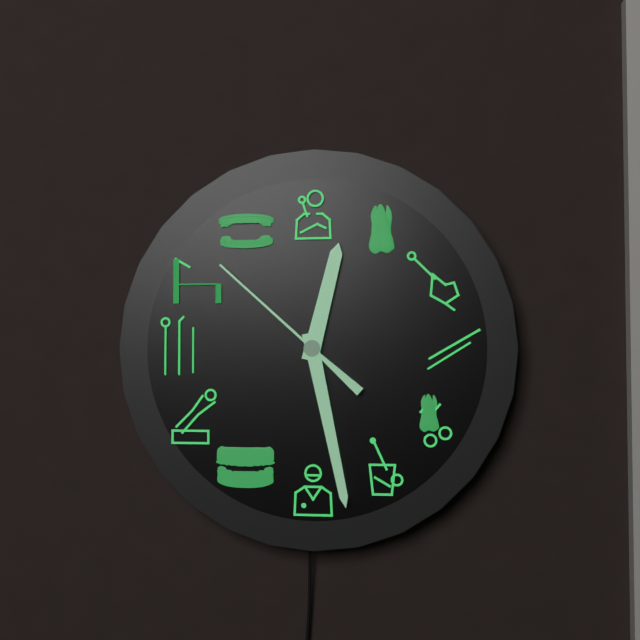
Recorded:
**12:28:52**
